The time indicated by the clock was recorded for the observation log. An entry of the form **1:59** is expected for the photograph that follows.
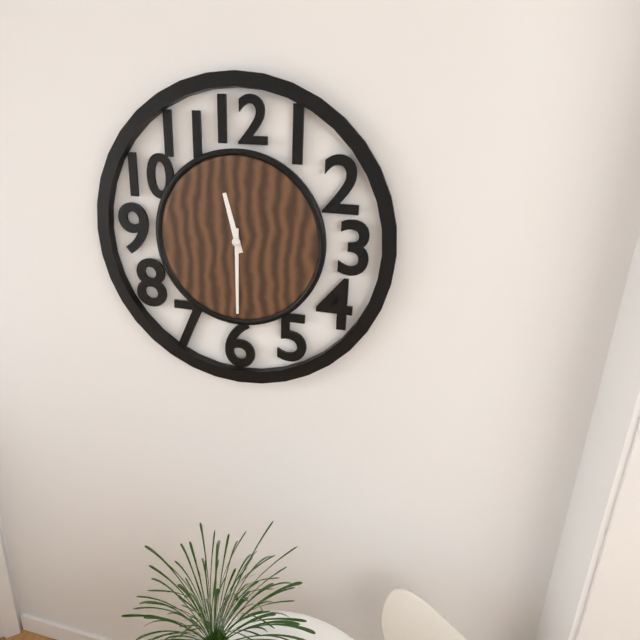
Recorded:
**11:30**
